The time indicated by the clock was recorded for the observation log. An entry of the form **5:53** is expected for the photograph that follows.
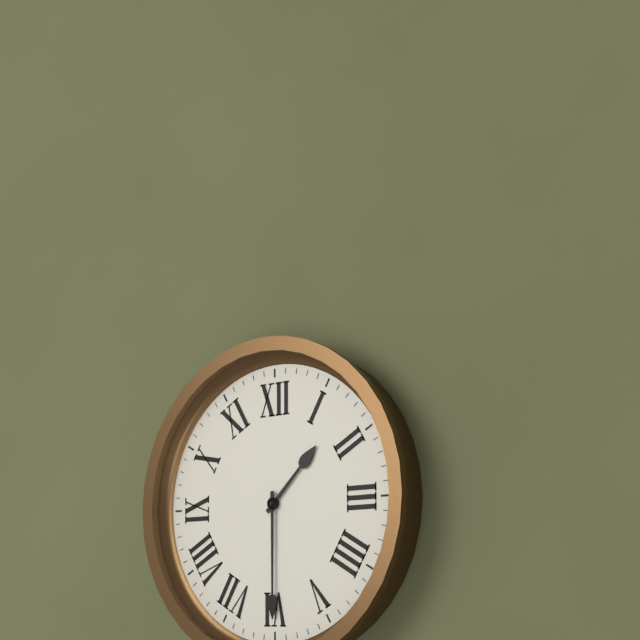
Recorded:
**1:30**
